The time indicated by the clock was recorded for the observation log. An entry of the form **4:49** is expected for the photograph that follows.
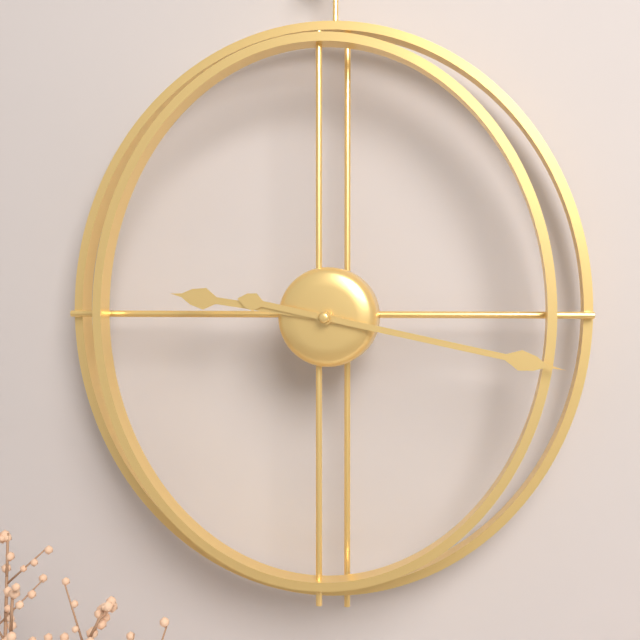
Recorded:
**9:17**
